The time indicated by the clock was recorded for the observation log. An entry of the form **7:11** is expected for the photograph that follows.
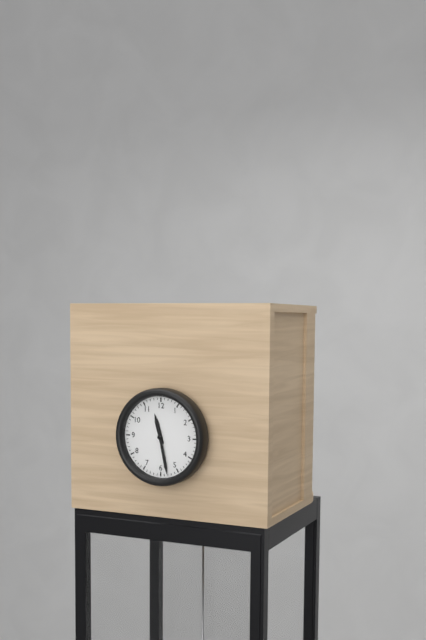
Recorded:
**11:28**
